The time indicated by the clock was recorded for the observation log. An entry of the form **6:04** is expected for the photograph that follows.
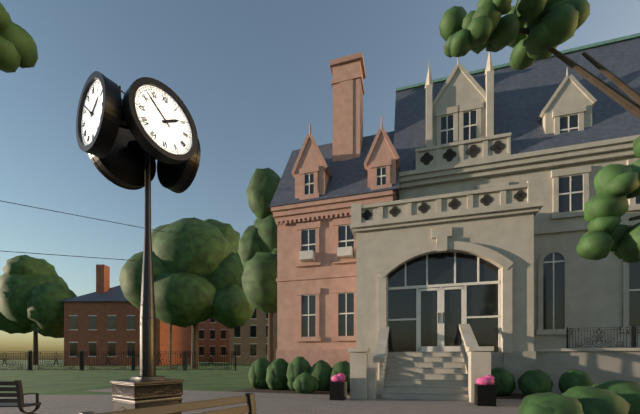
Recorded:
**1:52**
